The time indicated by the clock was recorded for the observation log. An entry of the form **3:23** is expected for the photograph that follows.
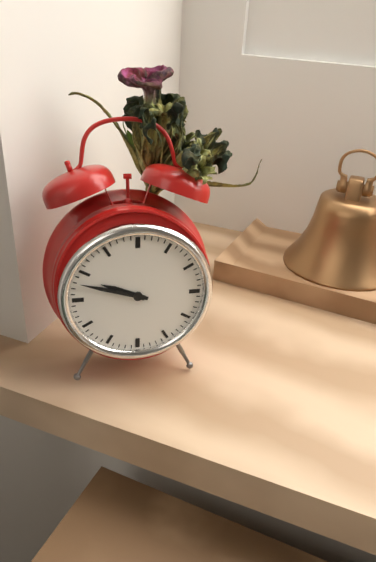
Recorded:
**9:48**
